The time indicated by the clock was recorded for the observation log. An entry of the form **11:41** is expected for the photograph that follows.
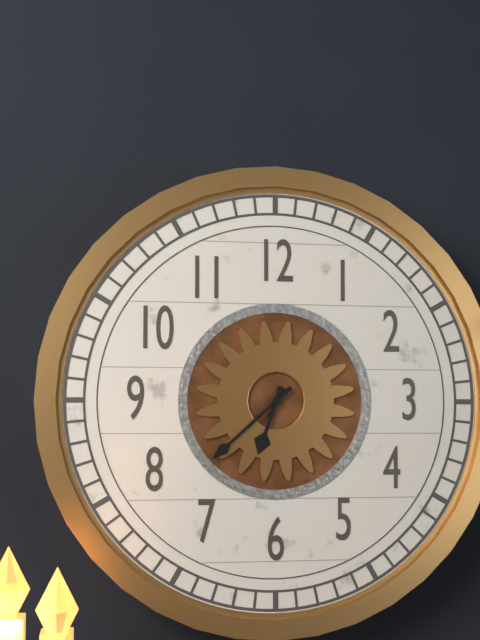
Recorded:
**6:38**
